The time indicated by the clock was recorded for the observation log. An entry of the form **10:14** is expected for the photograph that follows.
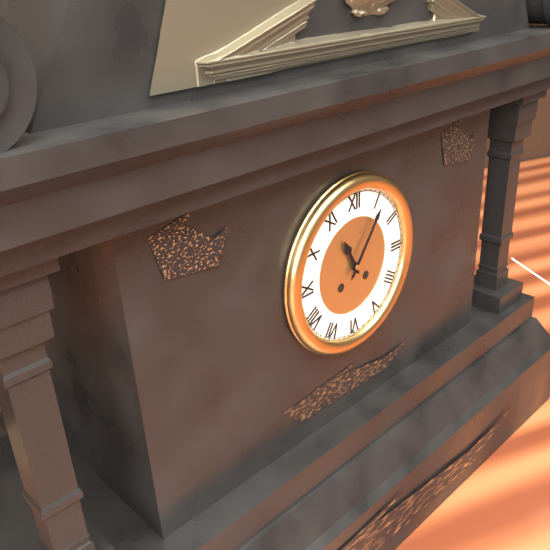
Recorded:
**11:06**
